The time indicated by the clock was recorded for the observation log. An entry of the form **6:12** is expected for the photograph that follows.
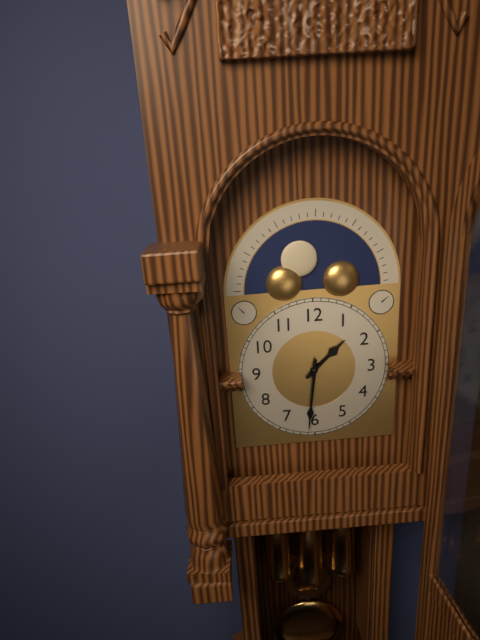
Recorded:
**1:31**
